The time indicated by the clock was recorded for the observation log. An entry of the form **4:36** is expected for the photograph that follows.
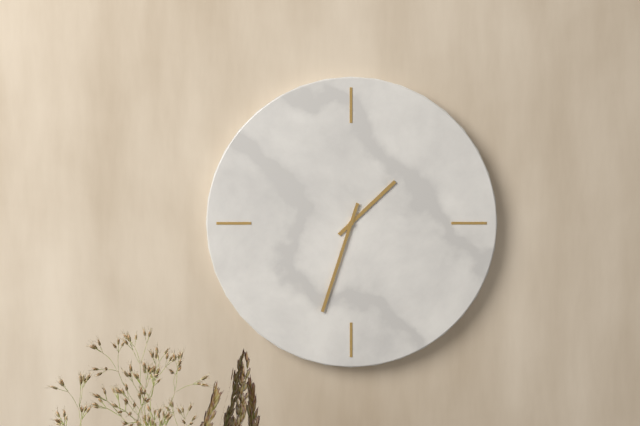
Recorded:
**1:33**
